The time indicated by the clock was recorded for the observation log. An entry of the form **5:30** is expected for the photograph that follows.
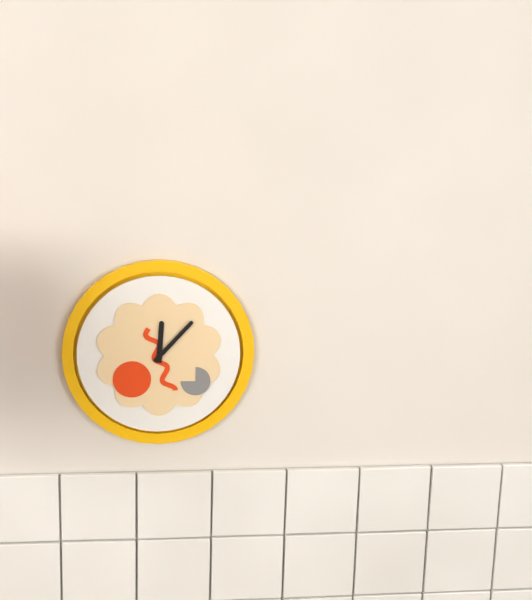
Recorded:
**12:07**
